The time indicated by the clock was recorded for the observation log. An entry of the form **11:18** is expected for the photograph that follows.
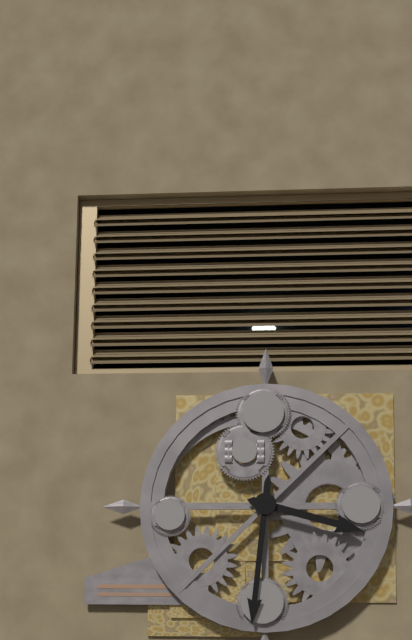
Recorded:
**3:31**
